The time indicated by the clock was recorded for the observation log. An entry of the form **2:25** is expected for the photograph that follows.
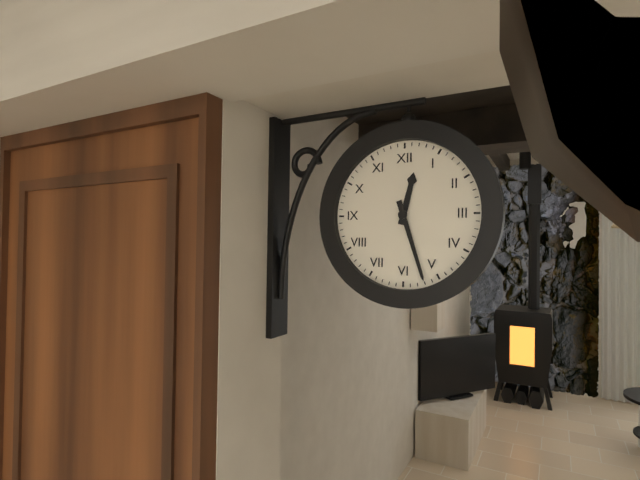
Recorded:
**12:27**
